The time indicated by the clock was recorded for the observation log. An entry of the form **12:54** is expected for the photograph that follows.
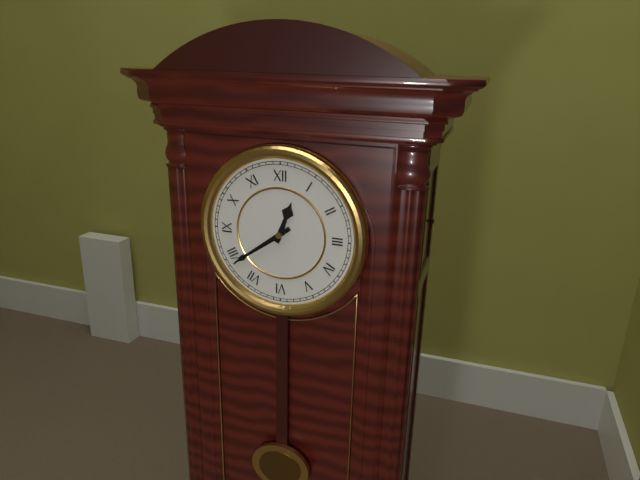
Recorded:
**12:39**
